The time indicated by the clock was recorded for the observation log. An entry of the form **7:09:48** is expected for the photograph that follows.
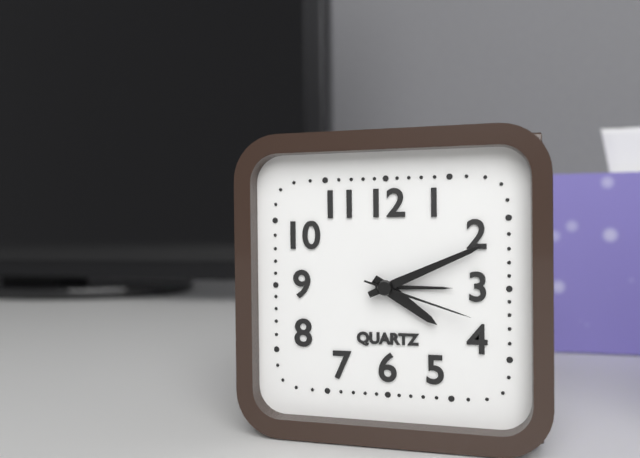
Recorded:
**4:11:18**
